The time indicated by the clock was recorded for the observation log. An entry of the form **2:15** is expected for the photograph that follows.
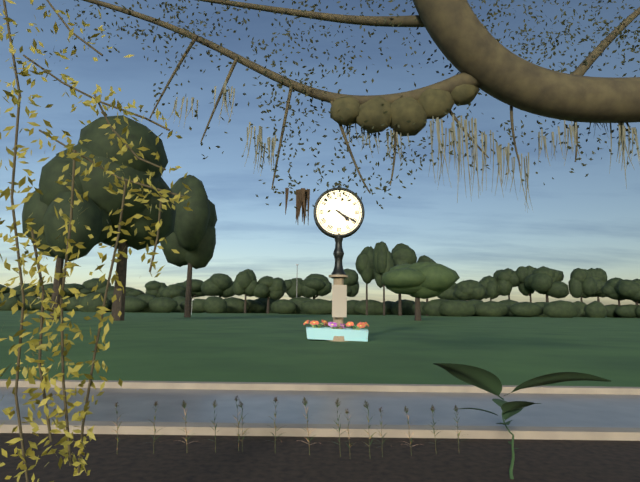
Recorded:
**4:20**
